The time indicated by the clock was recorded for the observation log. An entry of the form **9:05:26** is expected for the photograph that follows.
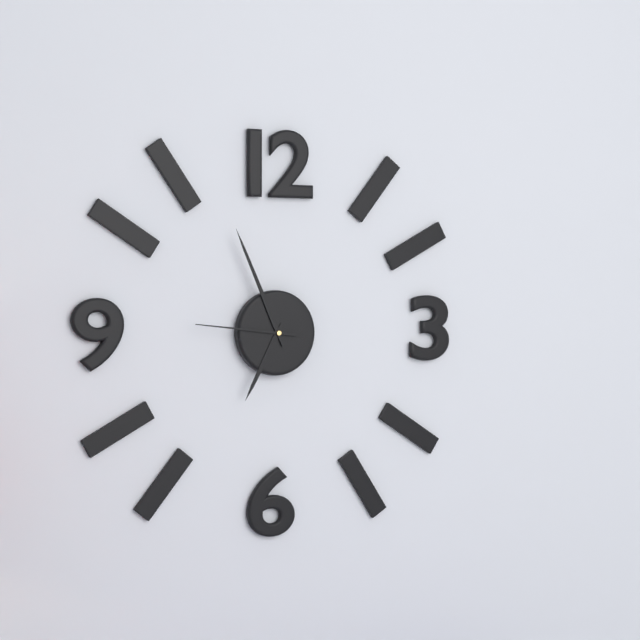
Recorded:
**6:56:46**
